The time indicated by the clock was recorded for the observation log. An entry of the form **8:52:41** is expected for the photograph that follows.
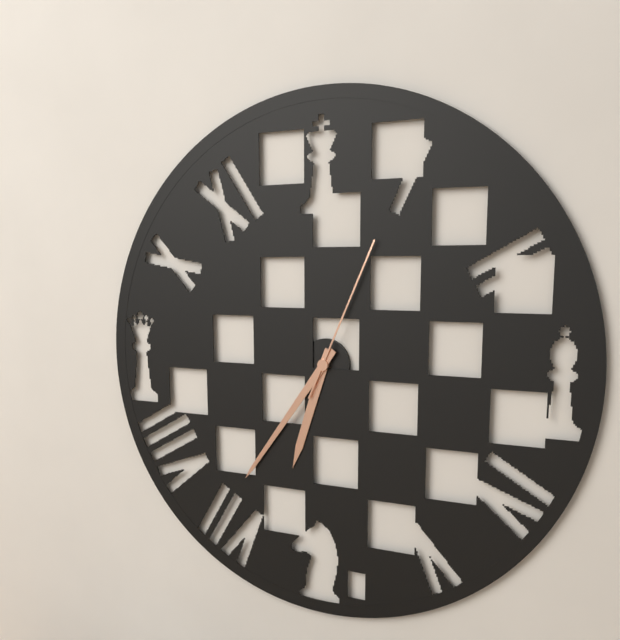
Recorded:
**6:36:04**
